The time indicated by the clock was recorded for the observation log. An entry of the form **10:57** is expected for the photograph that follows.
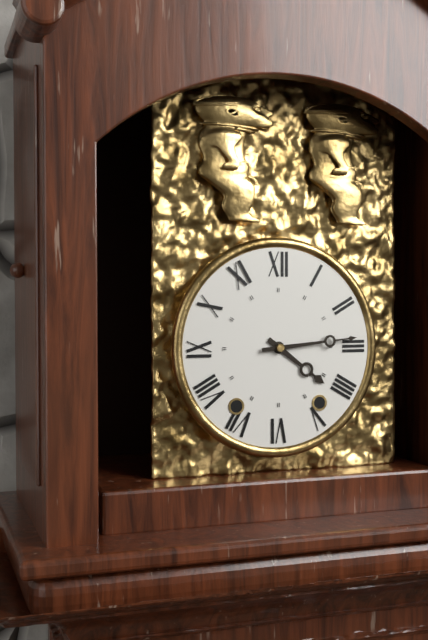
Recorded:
**4:14**
